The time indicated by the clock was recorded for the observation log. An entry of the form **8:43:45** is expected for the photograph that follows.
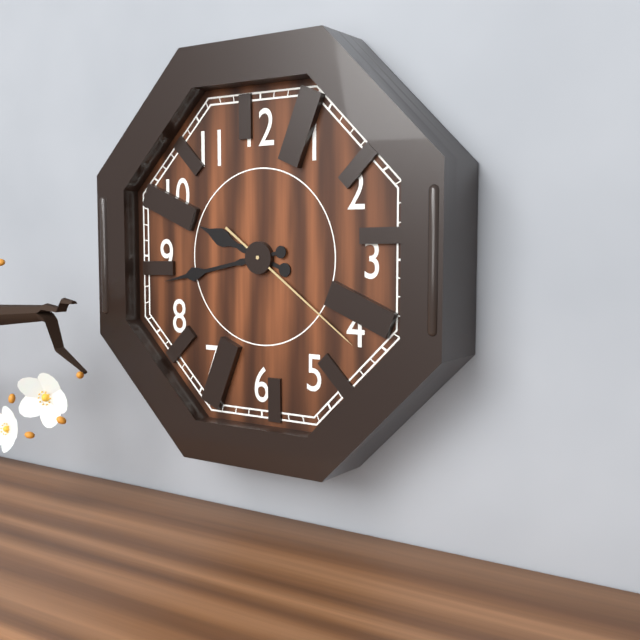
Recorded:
**9:43:21**
